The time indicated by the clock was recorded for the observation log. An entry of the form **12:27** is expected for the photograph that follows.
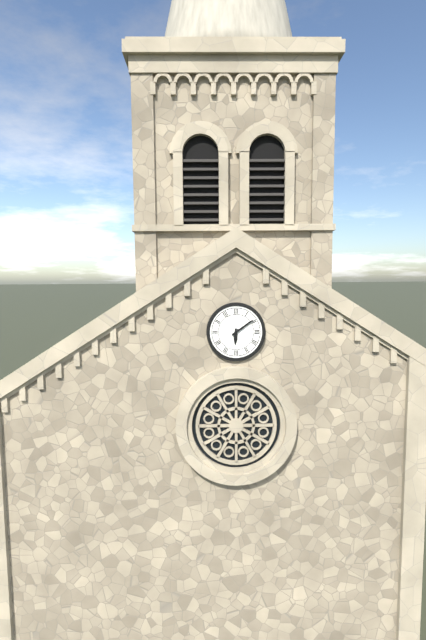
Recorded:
**6:09**
